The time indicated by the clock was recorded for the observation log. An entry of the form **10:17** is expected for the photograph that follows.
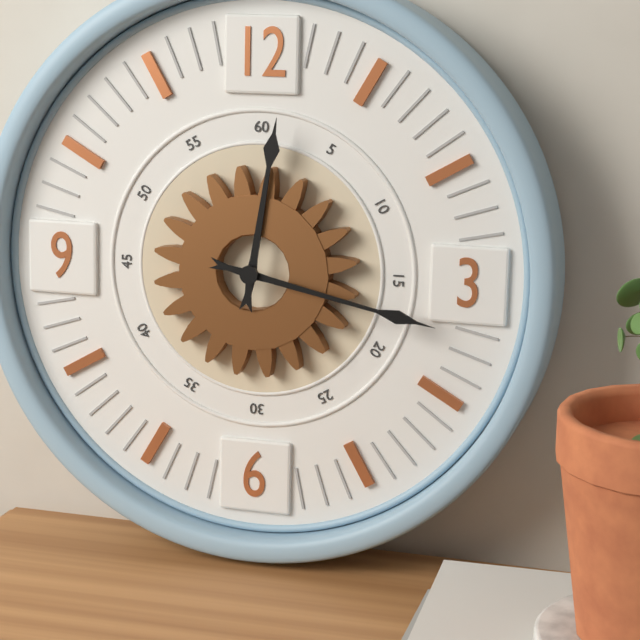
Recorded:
**12:17**
